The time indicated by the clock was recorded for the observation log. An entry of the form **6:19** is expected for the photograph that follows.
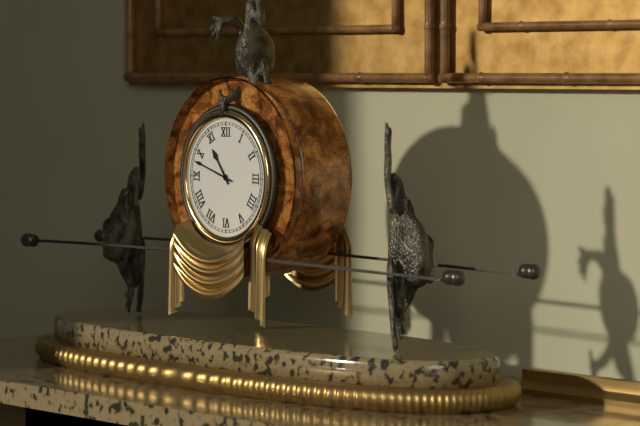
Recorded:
**10:48**
